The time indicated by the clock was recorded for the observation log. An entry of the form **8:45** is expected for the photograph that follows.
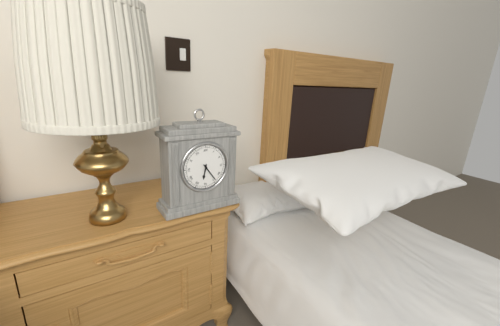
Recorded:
**6:24**
